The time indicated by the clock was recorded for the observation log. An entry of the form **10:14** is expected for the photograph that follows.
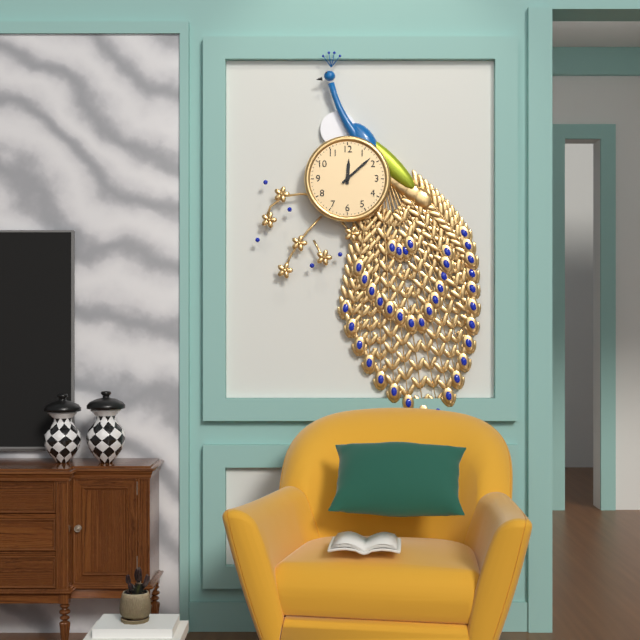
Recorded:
**12:08**
